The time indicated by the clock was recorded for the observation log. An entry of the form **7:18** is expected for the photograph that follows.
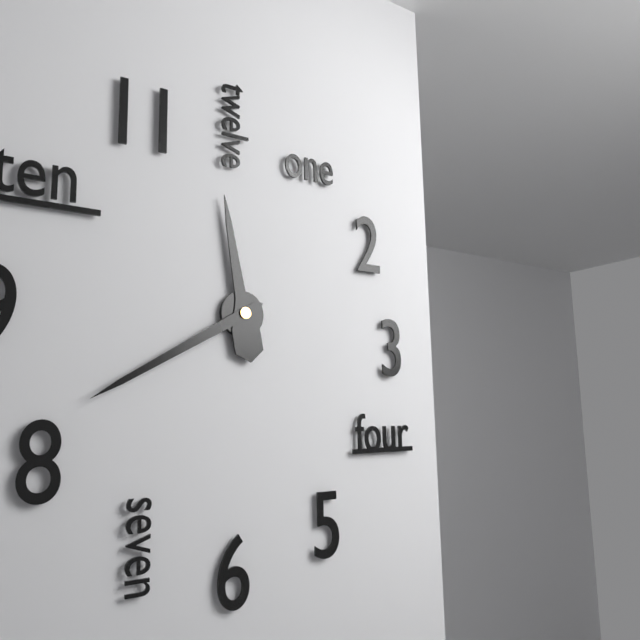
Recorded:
**11:40**
